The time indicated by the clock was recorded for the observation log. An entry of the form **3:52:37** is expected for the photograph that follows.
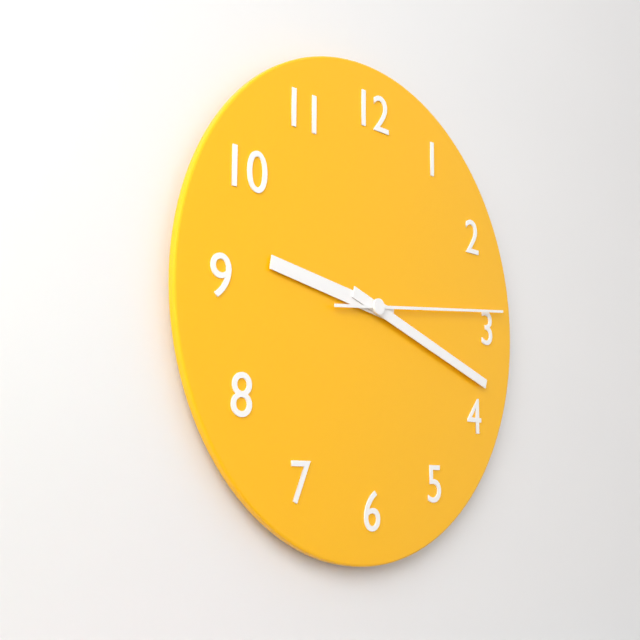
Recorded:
**9:18:14**
